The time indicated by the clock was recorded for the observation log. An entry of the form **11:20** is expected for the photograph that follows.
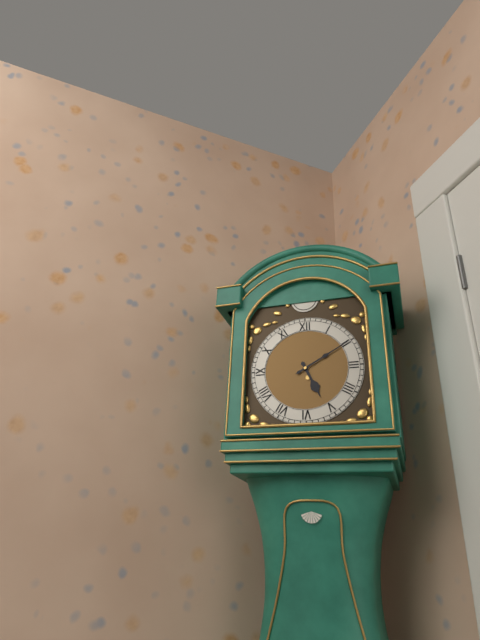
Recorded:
**5:10**
